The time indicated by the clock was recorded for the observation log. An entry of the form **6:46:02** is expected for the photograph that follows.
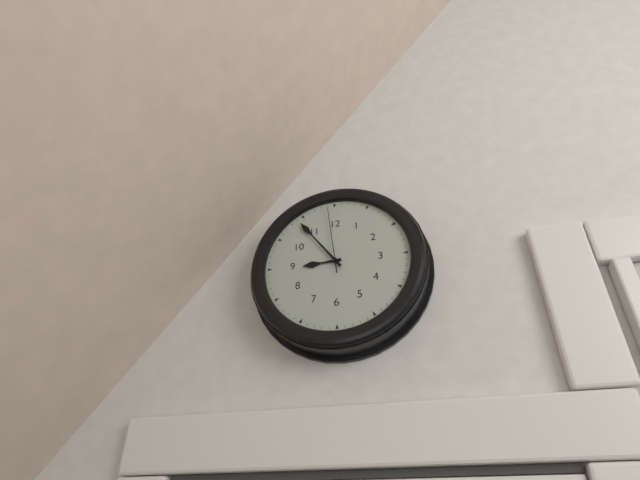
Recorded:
**8:54:59**
